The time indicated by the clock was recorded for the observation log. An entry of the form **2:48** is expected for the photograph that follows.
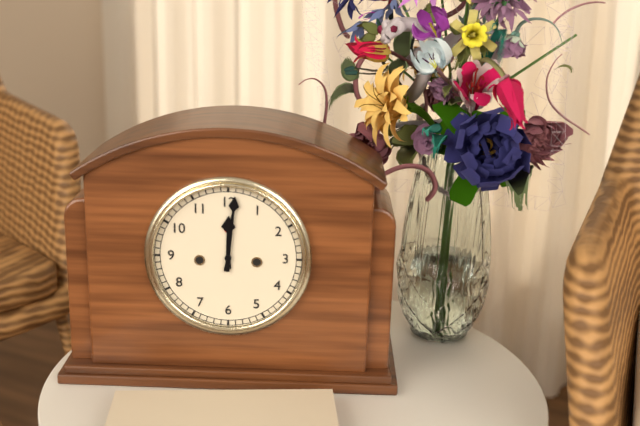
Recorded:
**12:01**
